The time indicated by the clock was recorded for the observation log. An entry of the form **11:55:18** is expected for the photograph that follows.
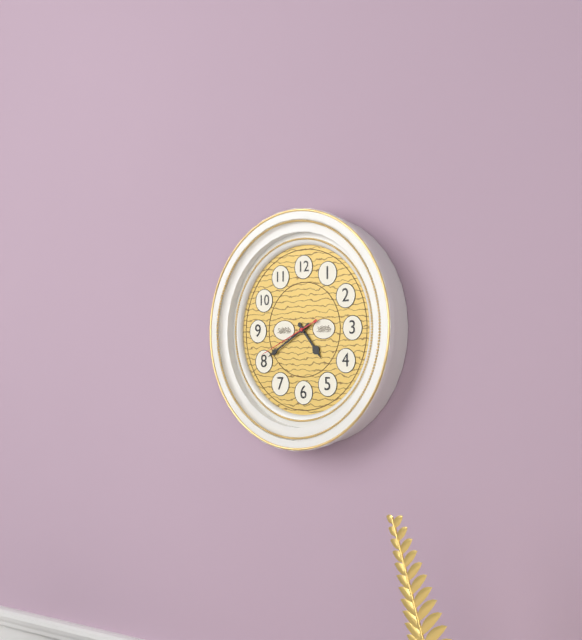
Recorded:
**4:40:41**
